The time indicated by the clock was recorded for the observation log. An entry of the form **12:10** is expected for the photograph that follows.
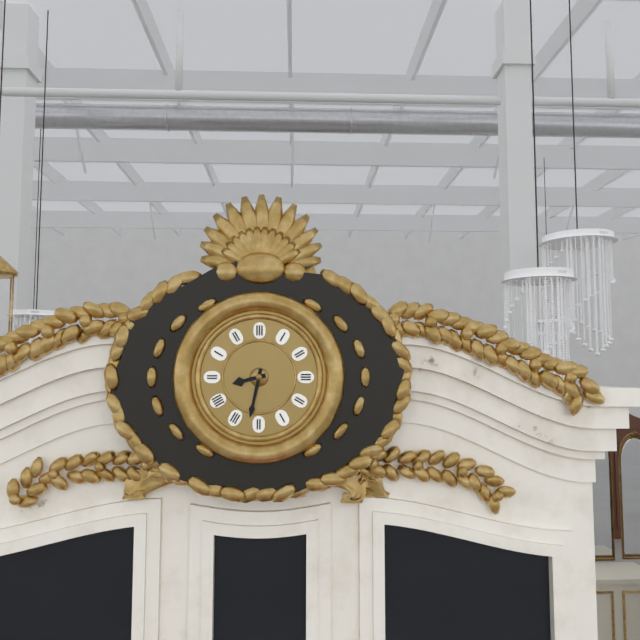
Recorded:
**8:32**
